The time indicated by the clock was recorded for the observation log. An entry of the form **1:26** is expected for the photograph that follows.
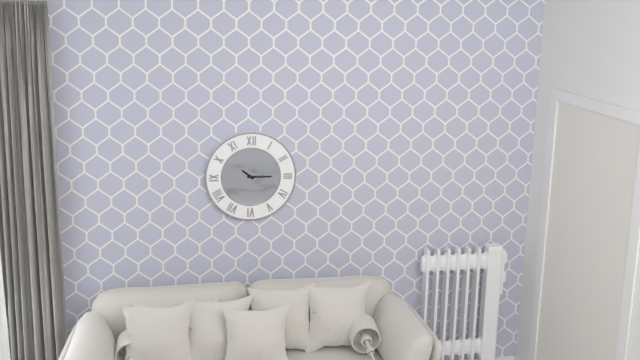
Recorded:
**10:15**
